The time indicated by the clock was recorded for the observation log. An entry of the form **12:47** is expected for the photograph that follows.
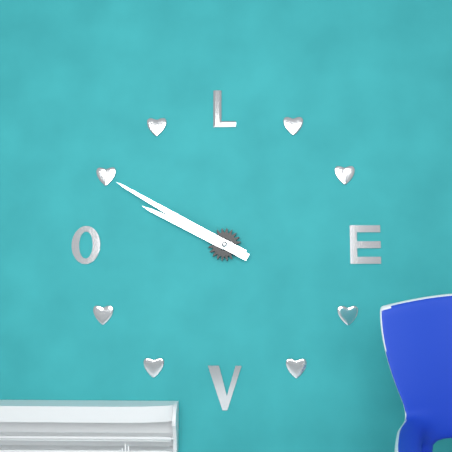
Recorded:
**9:50**
